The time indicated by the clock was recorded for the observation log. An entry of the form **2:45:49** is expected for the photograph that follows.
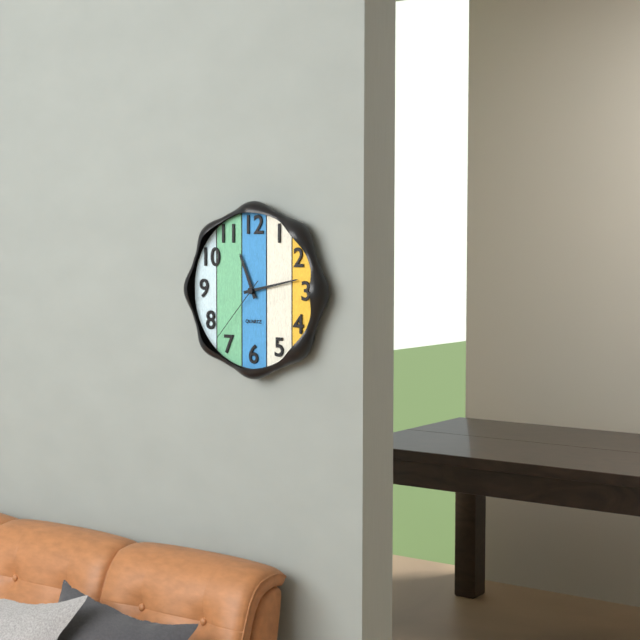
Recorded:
**11:13:37**
